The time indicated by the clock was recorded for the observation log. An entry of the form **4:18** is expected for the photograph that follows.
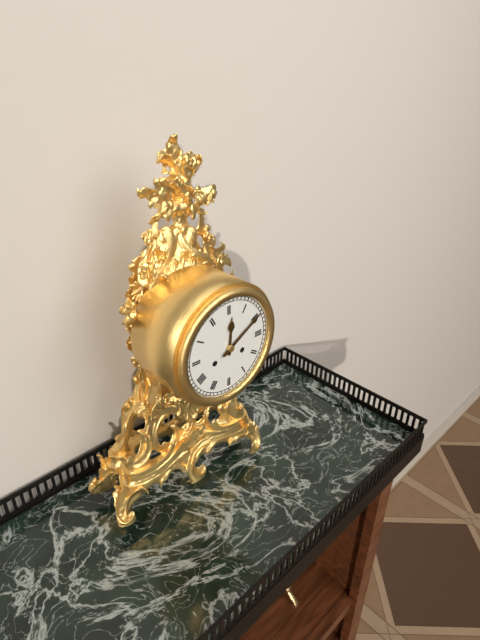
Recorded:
**12:10**
